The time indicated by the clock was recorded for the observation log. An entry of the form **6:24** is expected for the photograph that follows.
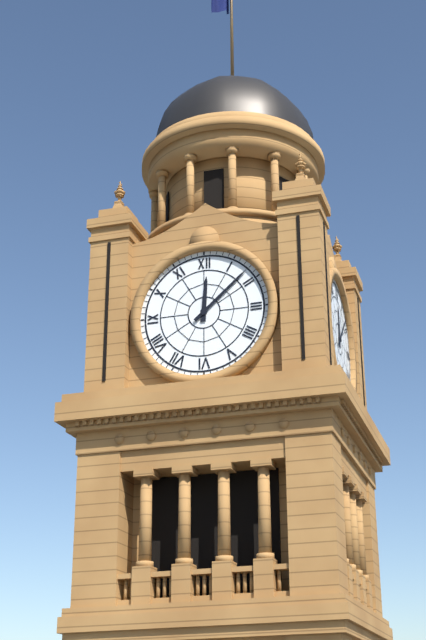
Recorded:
**12:08**
